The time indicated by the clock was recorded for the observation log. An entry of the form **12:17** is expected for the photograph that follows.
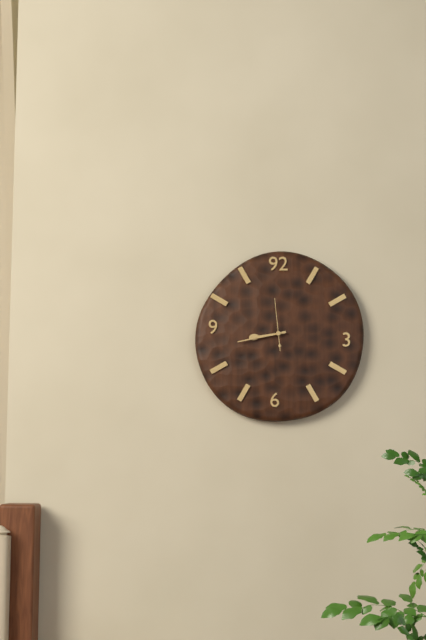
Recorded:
**8:43**
